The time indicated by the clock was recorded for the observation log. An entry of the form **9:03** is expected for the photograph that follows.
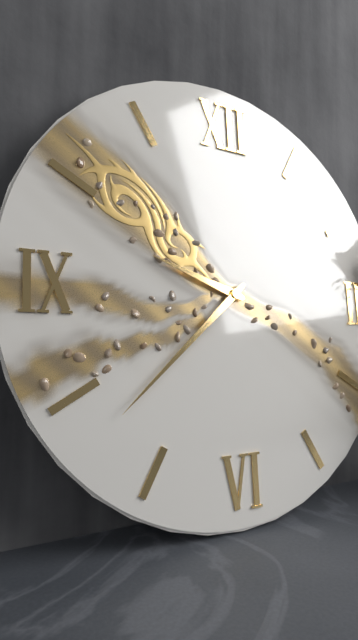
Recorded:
**9:38**
